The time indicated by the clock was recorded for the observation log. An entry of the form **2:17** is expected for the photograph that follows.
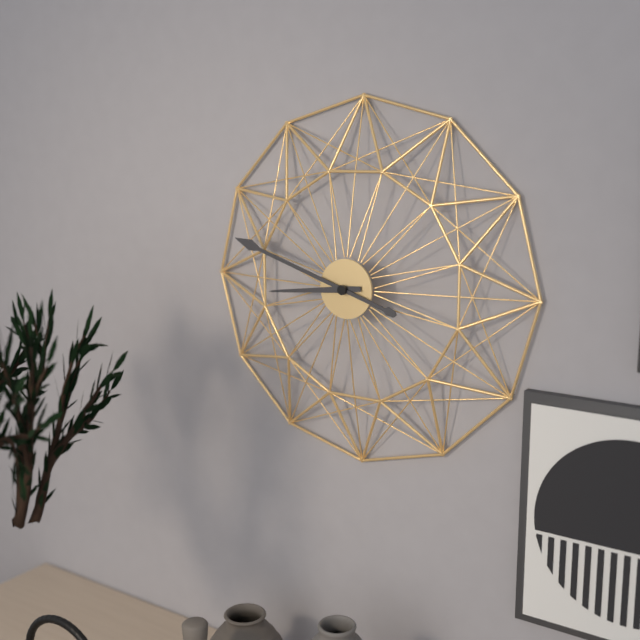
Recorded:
**8:48**
